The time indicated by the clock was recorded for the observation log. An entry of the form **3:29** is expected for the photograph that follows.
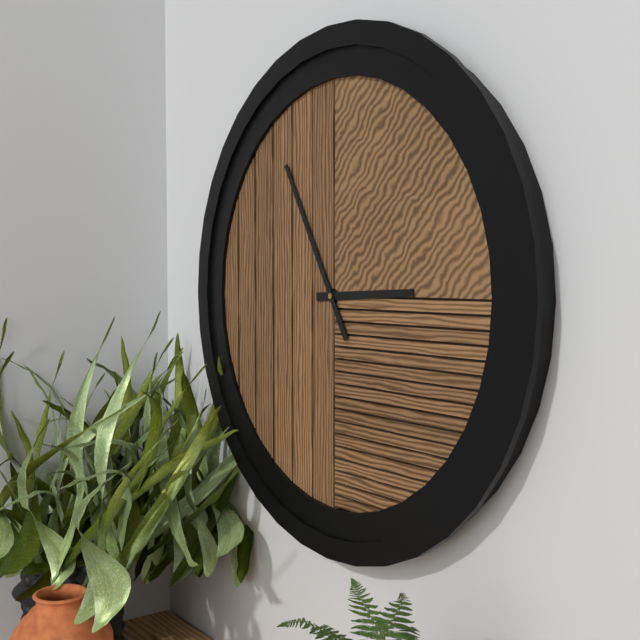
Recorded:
**2:55**
